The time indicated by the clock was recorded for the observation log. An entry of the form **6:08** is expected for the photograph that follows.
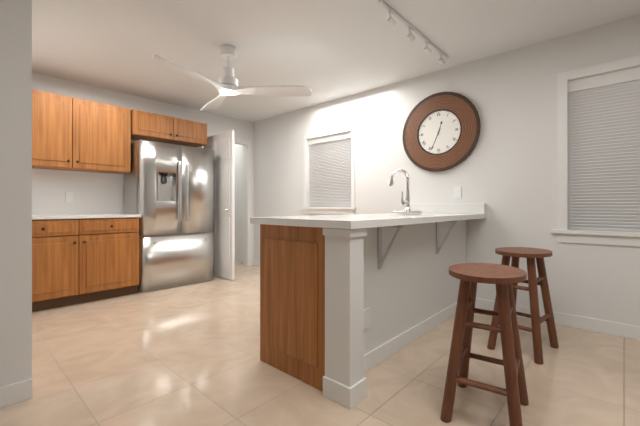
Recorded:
**12:34**
